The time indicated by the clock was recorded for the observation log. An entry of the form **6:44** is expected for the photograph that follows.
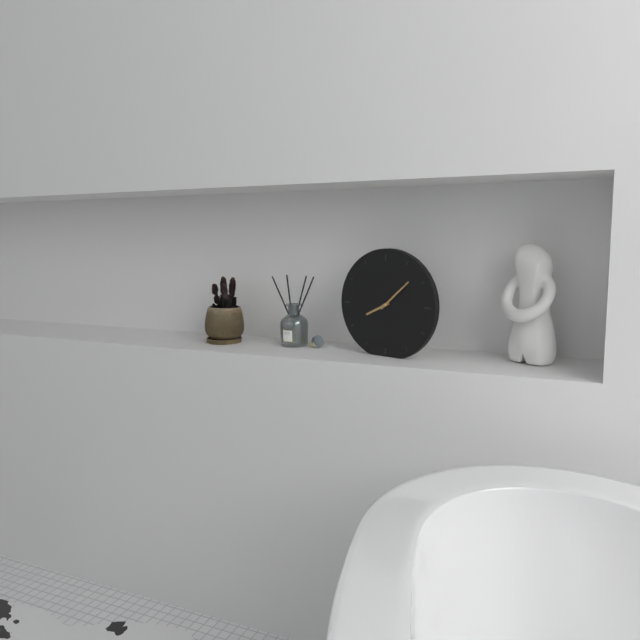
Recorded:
**8:08**
